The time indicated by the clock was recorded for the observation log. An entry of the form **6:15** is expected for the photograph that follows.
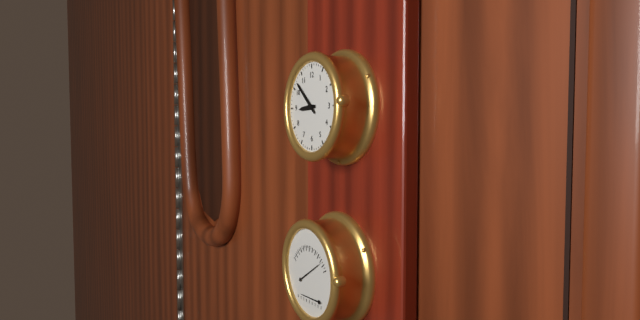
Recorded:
**8:52**
